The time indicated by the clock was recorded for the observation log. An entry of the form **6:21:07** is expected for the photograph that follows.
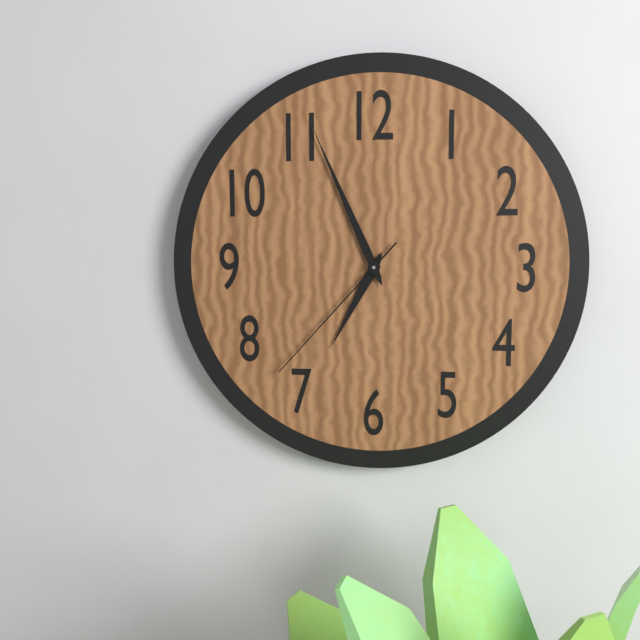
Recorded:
**6:56:37**
